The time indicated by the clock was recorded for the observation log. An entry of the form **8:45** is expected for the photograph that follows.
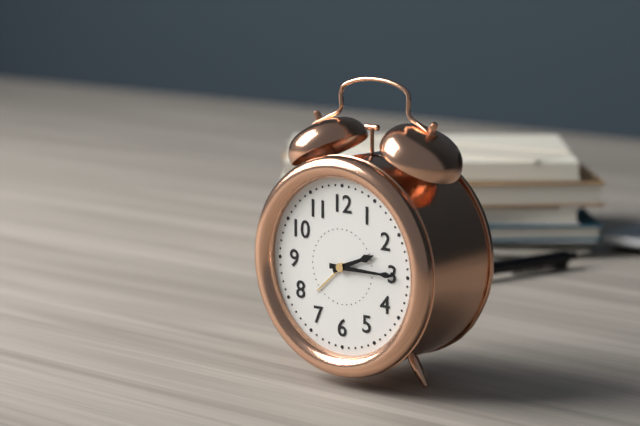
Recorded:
**2:15**
